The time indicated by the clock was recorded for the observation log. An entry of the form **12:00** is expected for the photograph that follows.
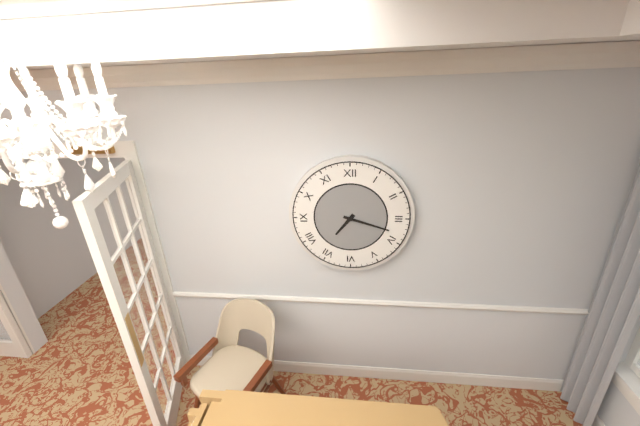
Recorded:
**7:18**
